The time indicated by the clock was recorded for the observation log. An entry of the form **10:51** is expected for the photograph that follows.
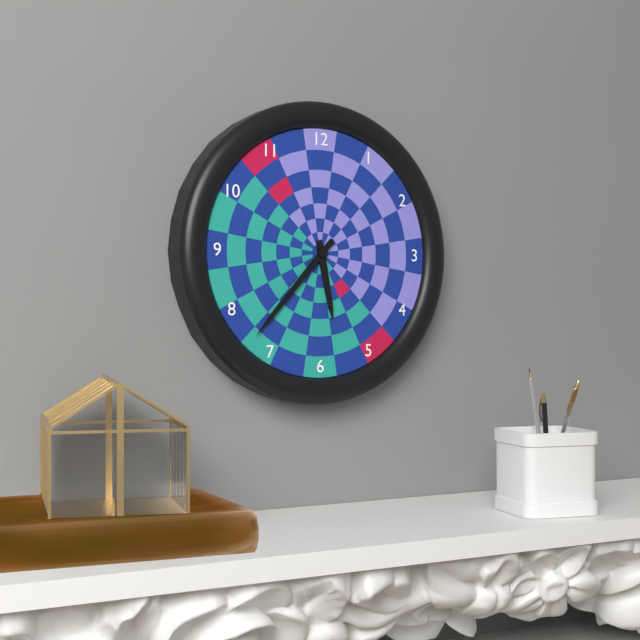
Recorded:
**5:37**
